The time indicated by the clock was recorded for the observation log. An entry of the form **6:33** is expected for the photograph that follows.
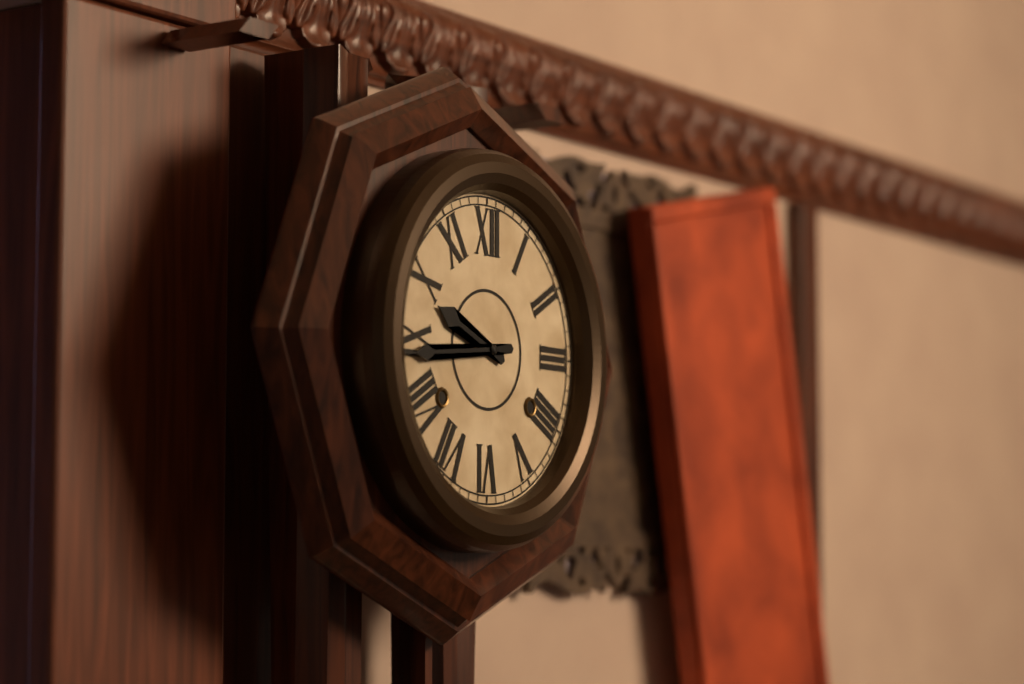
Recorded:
**9:44**
